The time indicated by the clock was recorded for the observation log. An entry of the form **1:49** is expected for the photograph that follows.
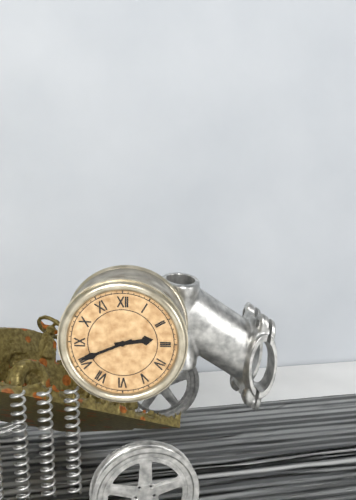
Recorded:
**2:41**
